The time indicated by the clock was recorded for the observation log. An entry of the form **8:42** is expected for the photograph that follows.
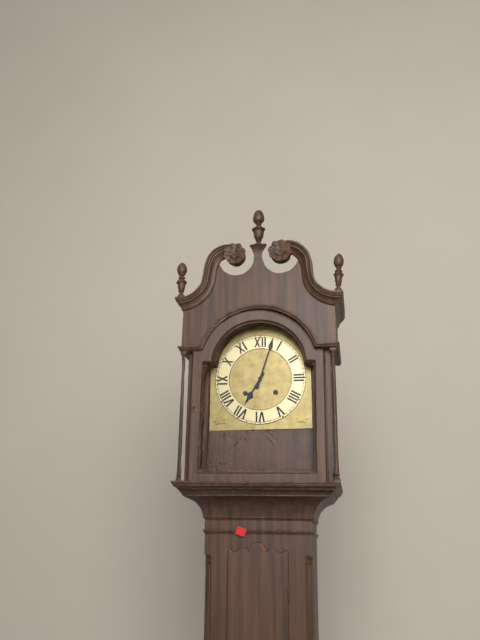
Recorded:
**7:03**
